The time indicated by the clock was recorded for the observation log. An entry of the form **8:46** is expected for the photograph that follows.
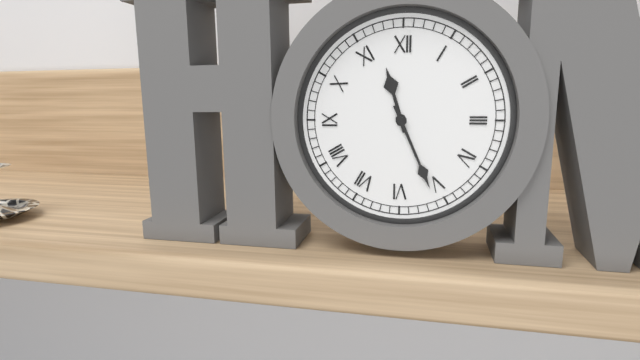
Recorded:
**11:26**
